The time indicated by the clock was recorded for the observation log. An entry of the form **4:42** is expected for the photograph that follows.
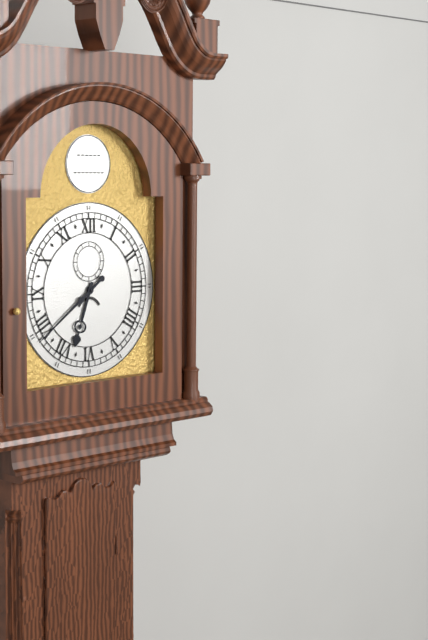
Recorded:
**6:39**
